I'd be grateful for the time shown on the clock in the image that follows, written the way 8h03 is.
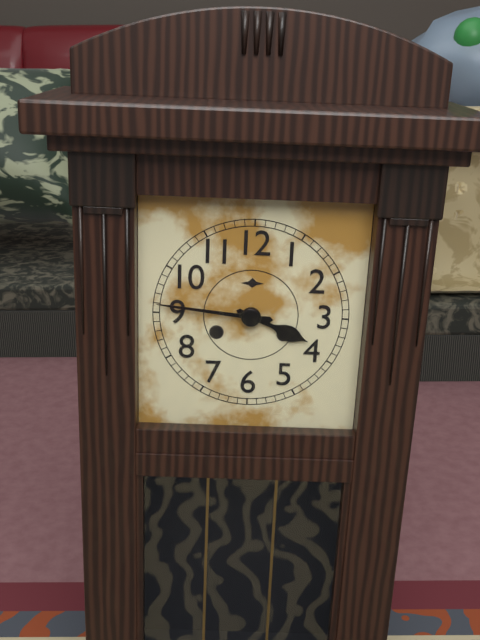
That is 3h46
